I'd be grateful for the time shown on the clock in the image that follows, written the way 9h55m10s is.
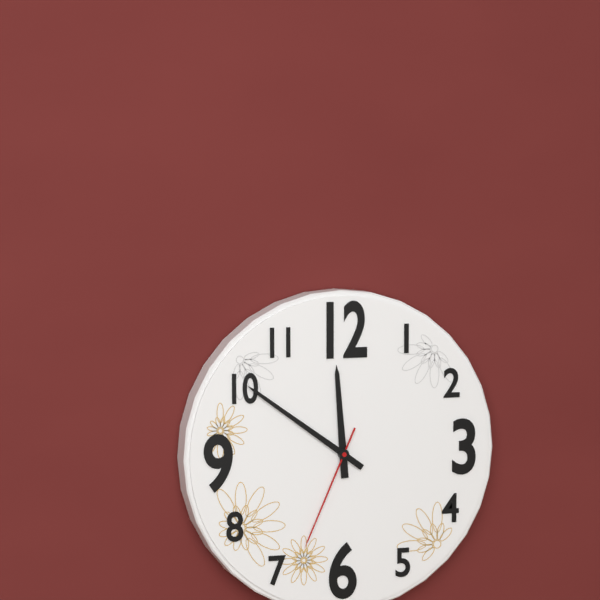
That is 11h51m34s
